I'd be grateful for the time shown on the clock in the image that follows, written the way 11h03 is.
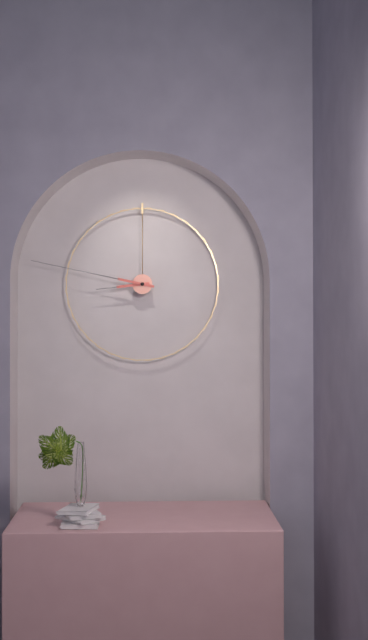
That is 8h47
